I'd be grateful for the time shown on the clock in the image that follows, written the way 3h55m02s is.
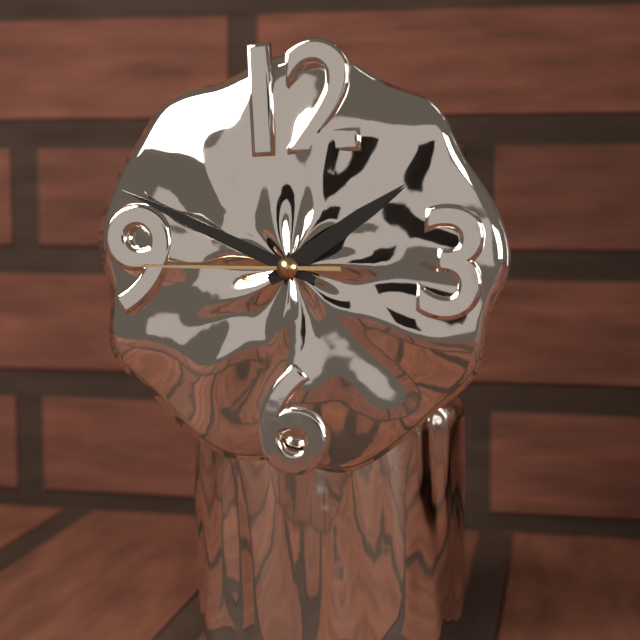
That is 1h49m45s
